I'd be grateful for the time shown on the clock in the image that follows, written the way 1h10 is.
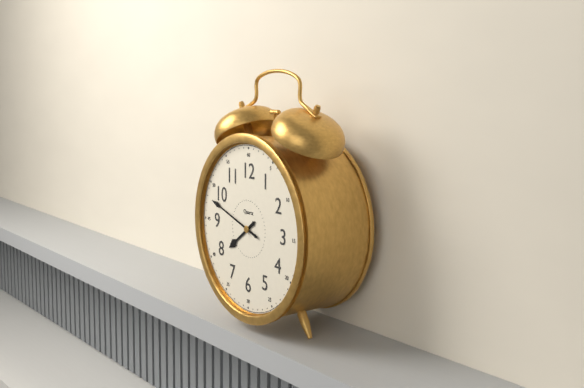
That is 7h48
